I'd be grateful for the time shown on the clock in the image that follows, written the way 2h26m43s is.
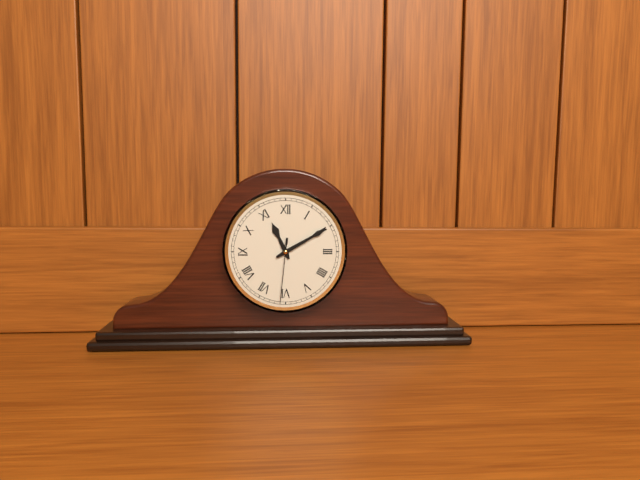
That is 11h10m31s
